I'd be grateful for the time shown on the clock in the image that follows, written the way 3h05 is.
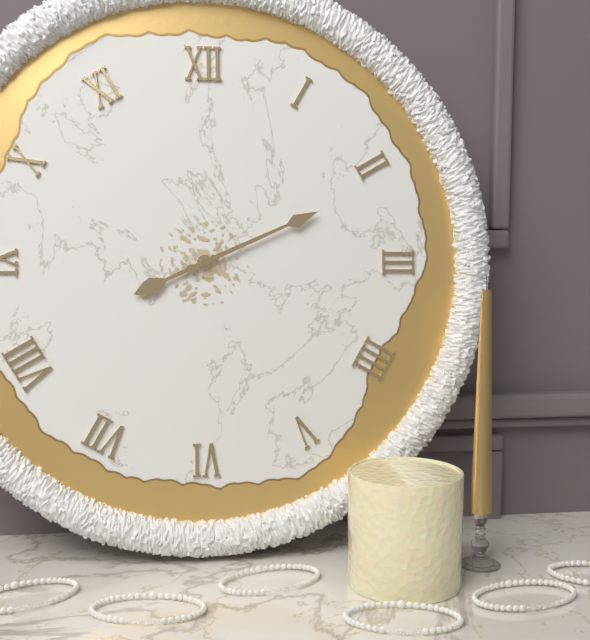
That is 8h11
